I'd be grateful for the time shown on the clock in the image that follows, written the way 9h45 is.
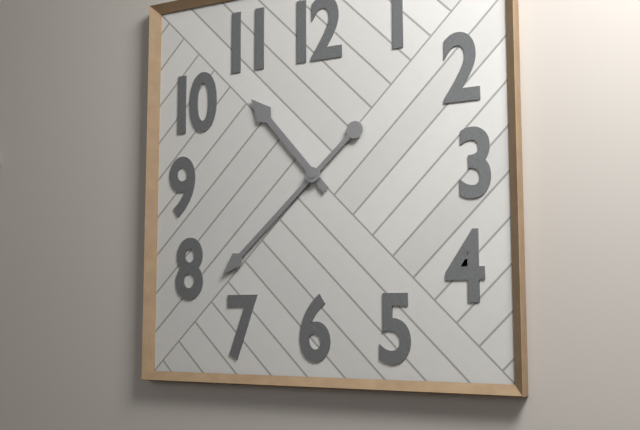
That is 10h38
